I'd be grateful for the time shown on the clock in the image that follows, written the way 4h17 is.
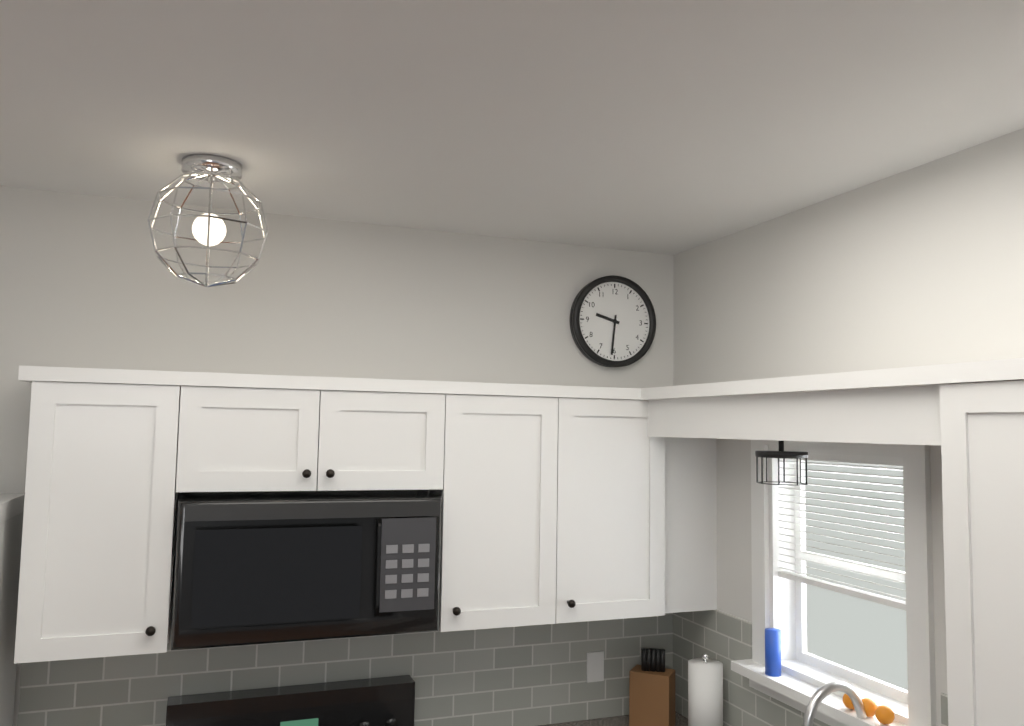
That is 9h31
